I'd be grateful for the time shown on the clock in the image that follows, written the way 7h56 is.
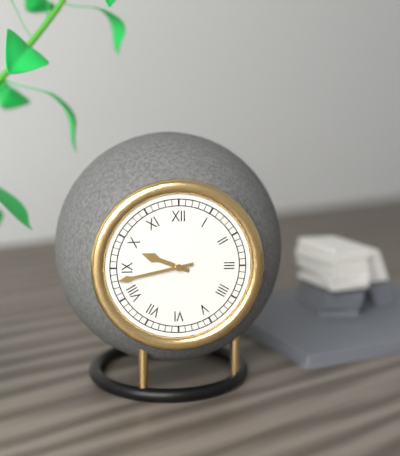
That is 9h43
